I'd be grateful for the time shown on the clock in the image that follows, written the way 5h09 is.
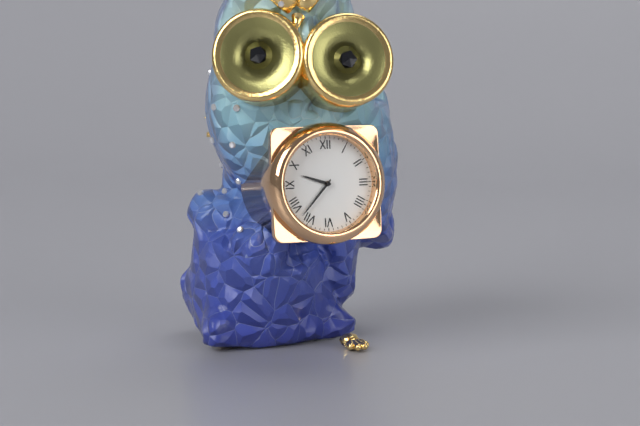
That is 9h37
